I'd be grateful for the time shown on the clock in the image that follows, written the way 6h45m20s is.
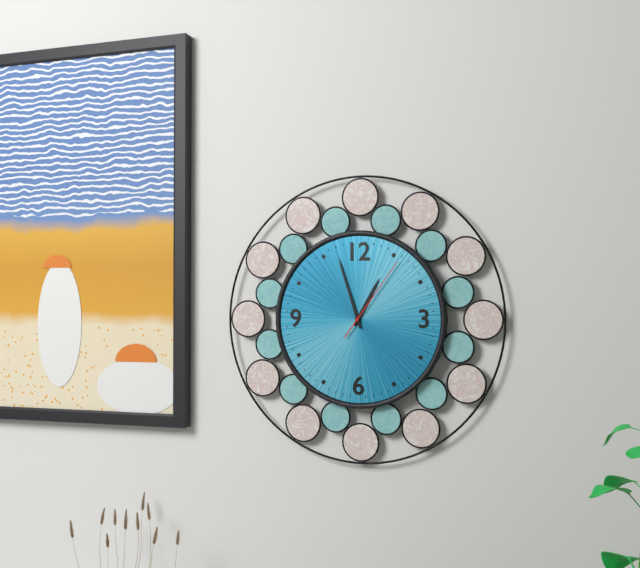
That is 12h57m06s
